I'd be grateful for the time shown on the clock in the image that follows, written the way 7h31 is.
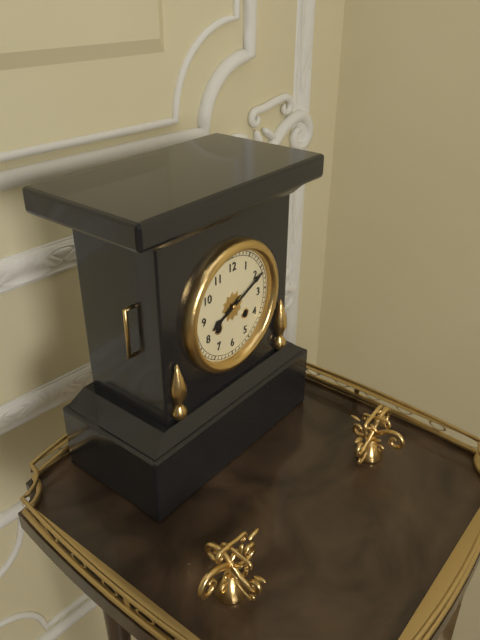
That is 8h11
